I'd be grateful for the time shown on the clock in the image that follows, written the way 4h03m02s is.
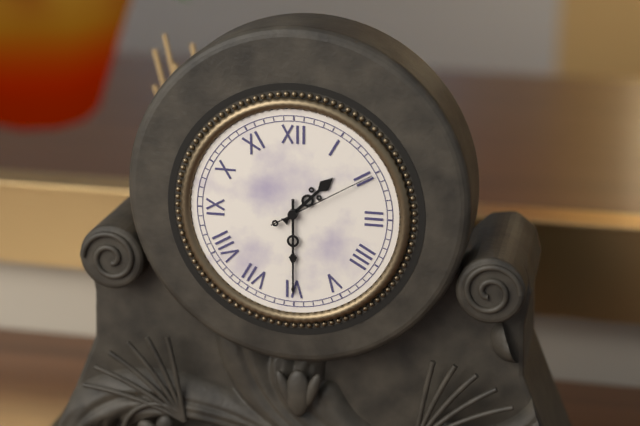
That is 1h30m10s
